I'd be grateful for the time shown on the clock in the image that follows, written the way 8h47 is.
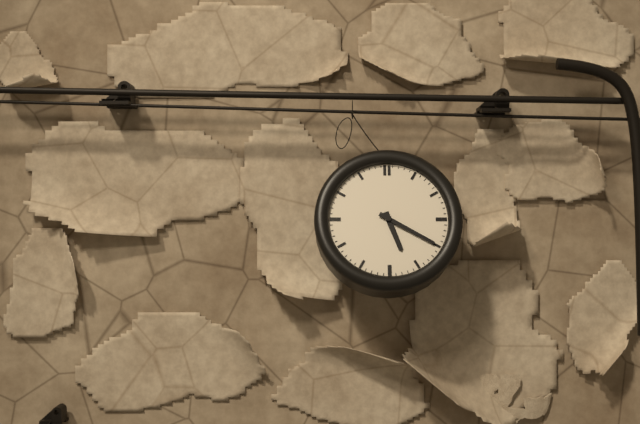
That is 5h20
